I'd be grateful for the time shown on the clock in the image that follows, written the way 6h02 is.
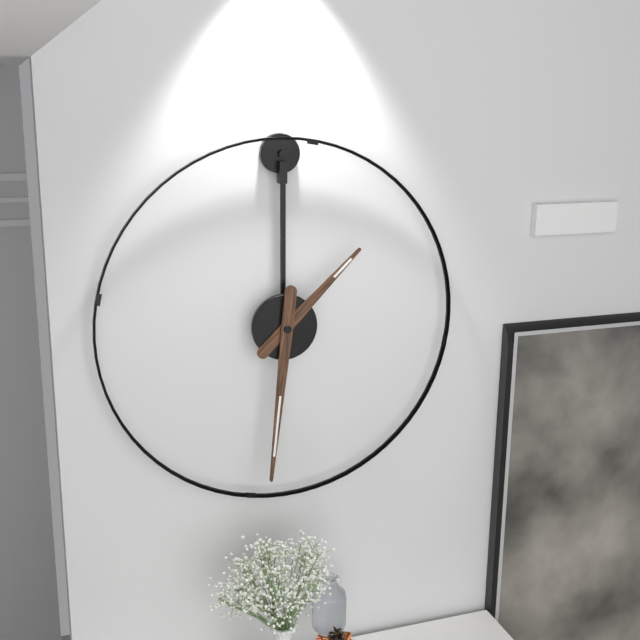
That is 1h31
